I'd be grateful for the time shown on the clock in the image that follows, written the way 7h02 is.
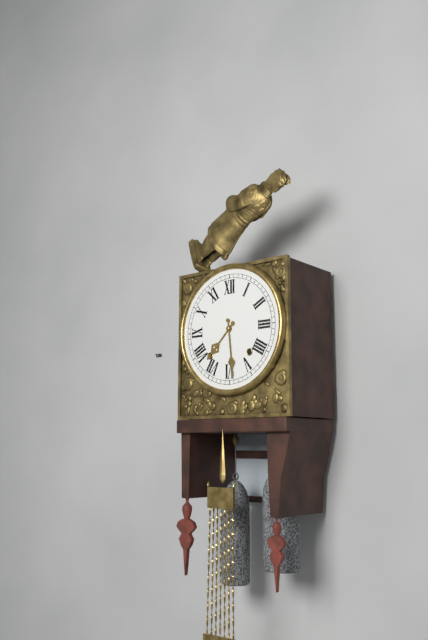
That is 7h29
